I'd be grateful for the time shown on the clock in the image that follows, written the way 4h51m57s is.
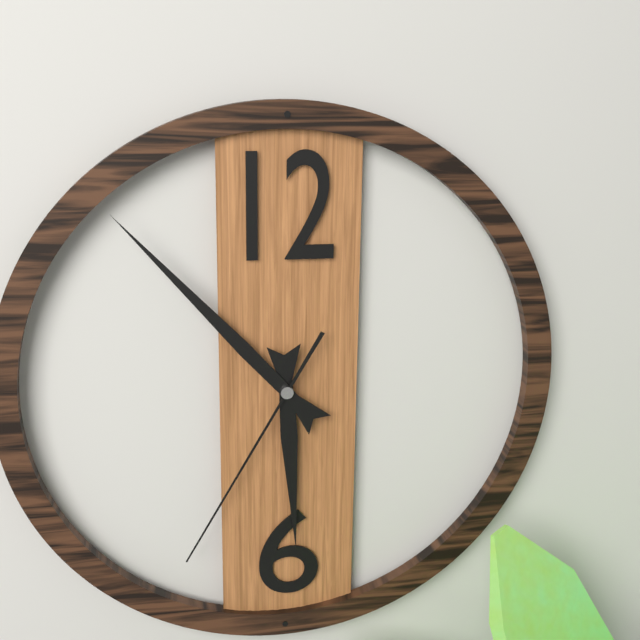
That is 5h53m35s
